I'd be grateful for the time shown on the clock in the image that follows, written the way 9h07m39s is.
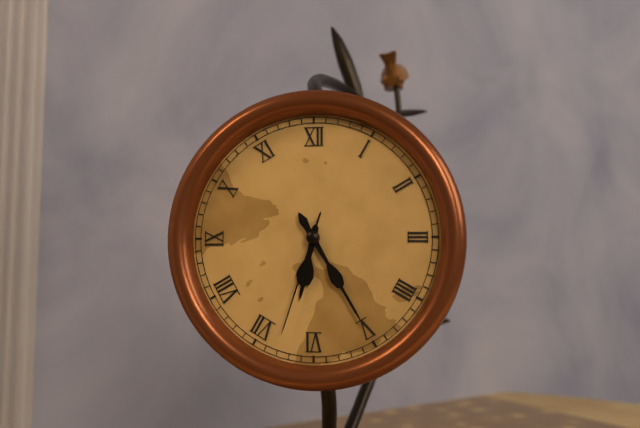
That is 6h25m33s
